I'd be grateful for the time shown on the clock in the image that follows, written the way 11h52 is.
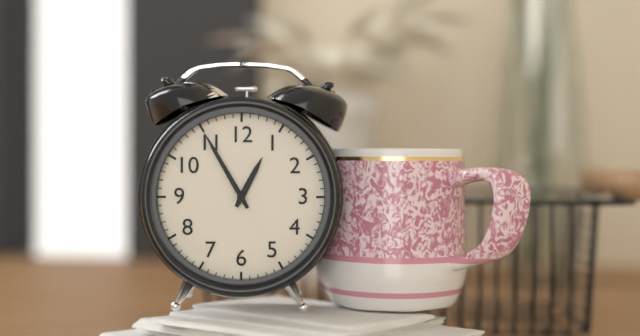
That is 12h55
